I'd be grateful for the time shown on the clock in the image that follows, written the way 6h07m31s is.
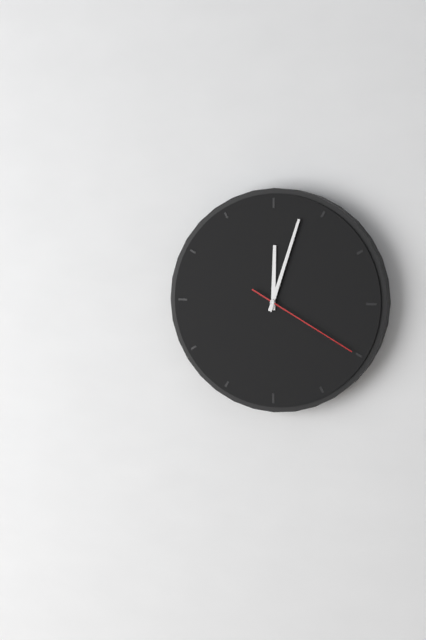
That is 12h03m20s
